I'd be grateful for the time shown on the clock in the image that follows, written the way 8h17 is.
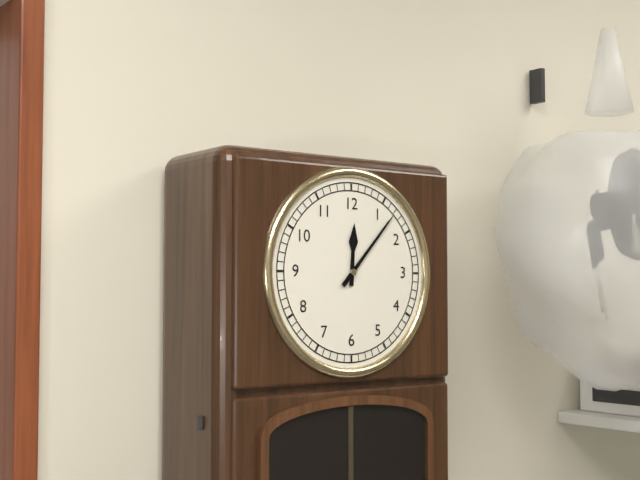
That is 12h07
